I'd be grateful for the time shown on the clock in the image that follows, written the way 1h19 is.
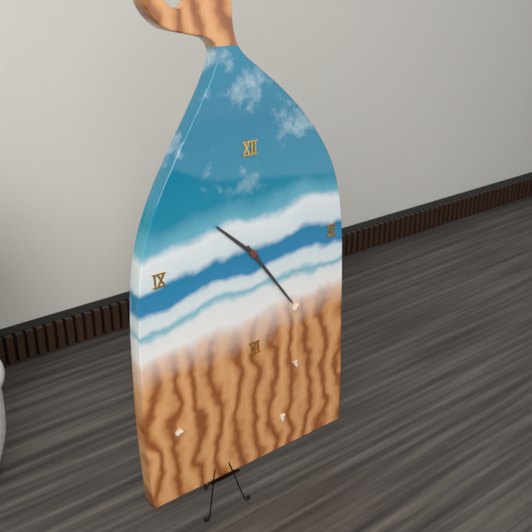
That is 10h24
